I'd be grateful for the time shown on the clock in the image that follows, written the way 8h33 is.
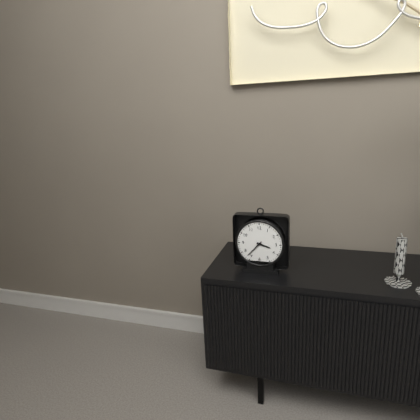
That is 3h37
